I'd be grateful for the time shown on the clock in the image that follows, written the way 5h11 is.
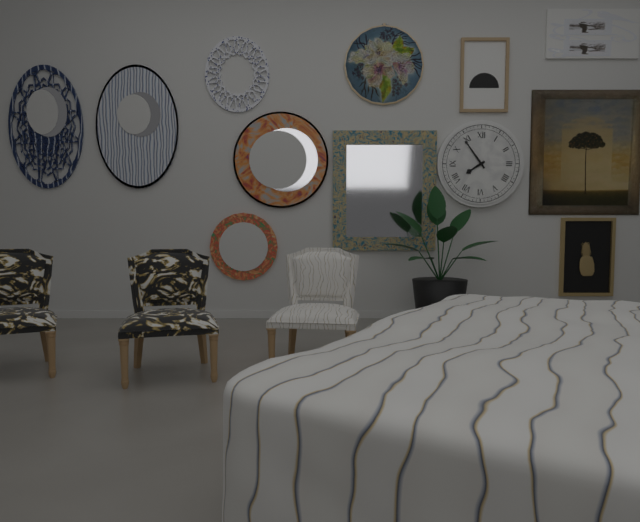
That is 7h54
